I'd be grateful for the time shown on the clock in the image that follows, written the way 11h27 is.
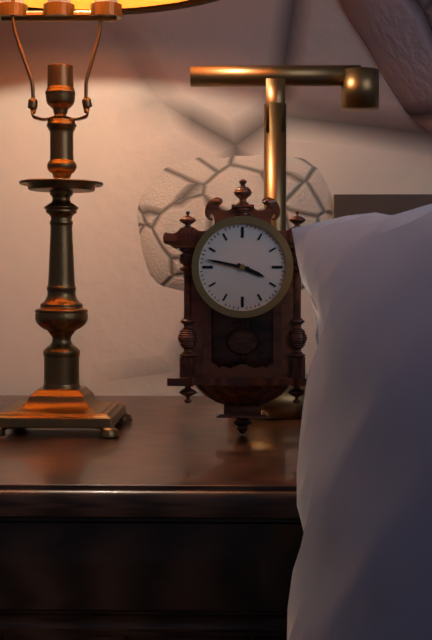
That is 3h47
